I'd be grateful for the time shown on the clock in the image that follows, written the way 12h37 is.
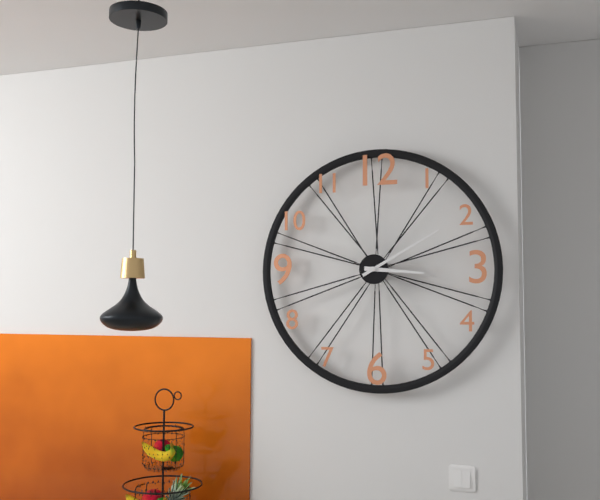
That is 3h10
